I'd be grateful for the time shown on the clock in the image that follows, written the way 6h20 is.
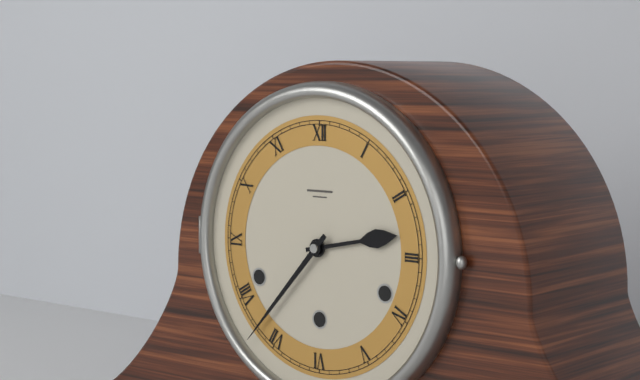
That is 2h37
